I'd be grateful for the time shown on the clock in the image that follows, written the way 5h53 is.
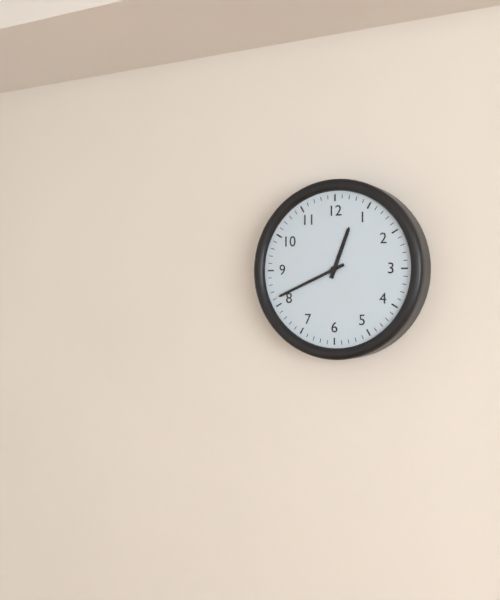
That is 12h41
